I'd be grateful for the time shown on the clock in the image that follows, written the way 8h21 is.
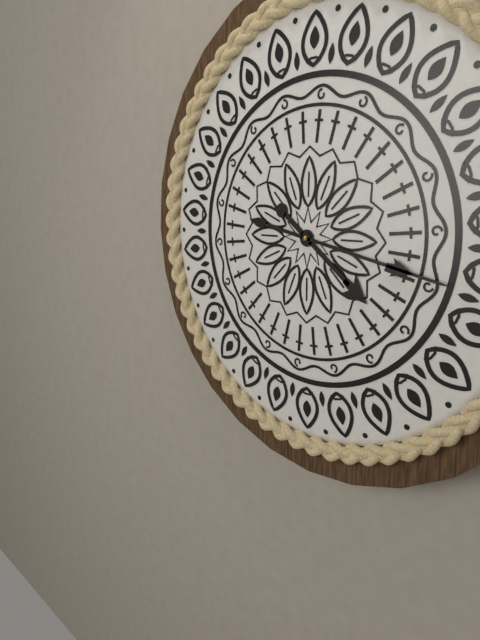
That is 4h17
